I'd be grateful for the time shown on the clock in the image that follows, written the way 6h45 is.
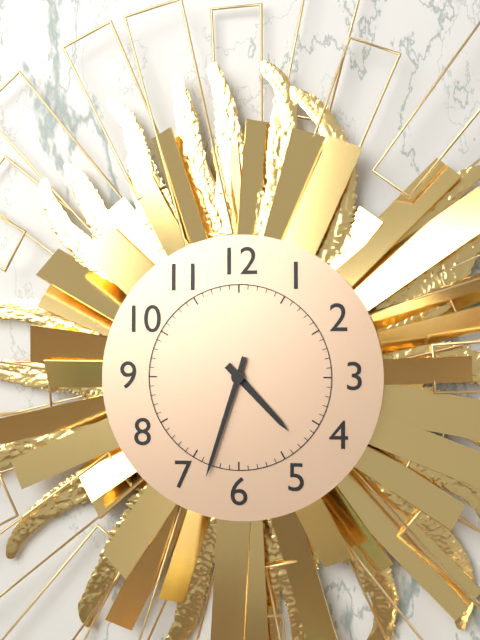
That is 4h33
